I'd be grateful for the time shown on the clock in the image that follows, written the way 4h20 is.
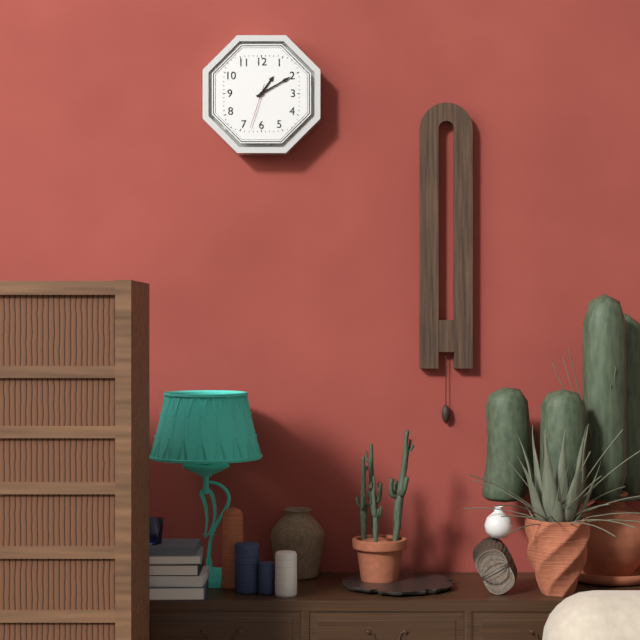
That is 1h10
